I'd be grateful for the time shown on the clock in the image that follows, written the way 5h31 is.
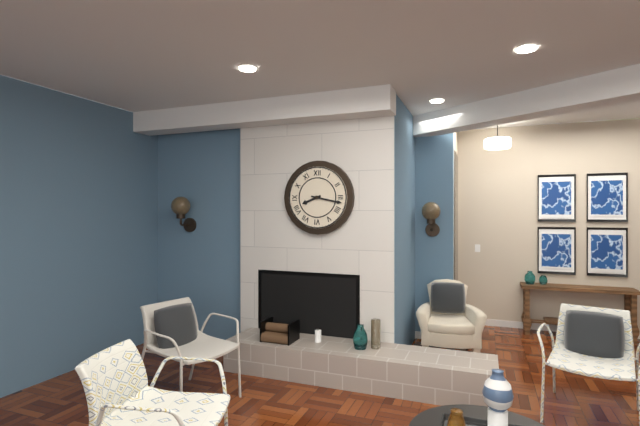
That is 8h17
